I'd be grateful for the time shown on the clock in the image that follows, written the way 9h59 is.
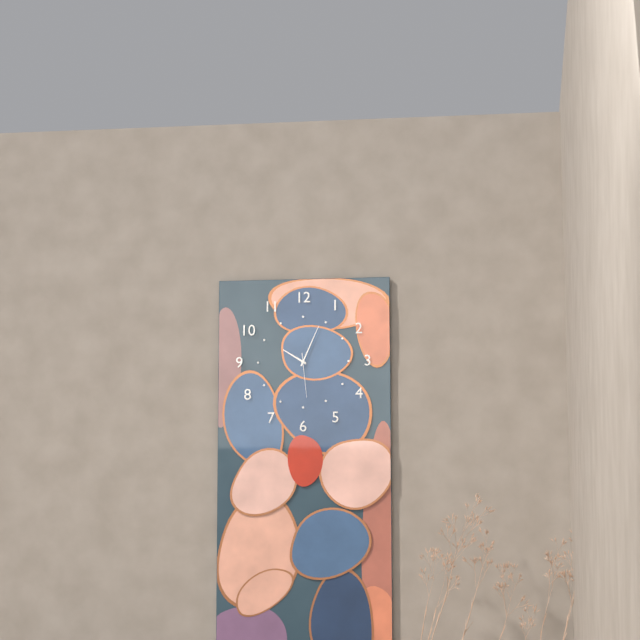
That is 10h04
